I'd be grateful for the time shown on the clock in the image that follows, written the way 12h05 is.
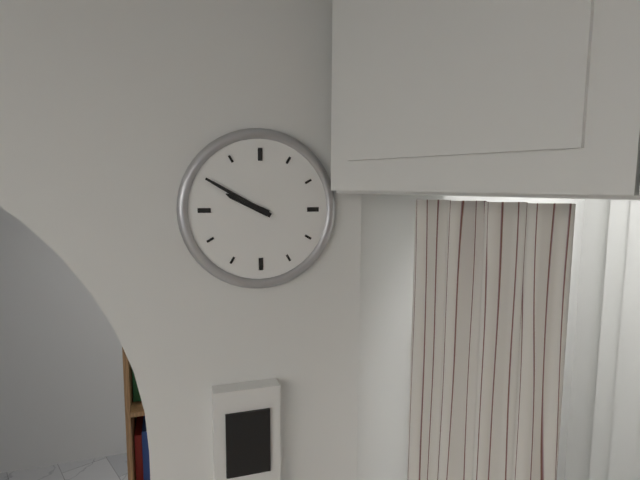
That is 9h50
